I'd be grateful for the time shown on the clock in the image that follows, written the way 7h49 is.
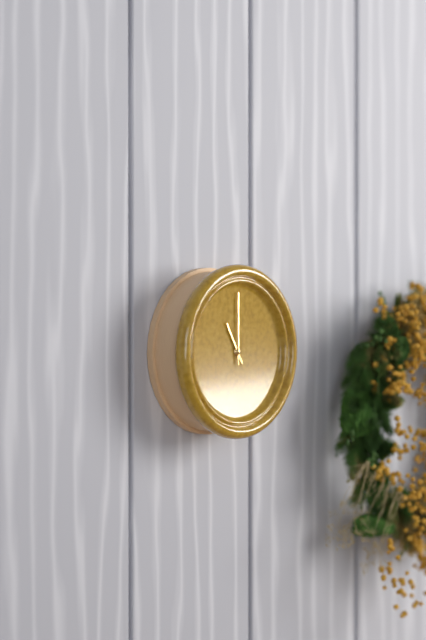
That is 11h00
